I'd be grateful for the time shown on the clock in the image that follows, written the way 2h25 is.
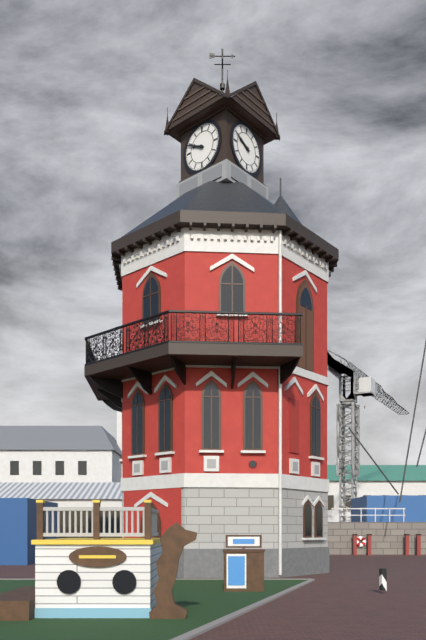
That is 9h49
